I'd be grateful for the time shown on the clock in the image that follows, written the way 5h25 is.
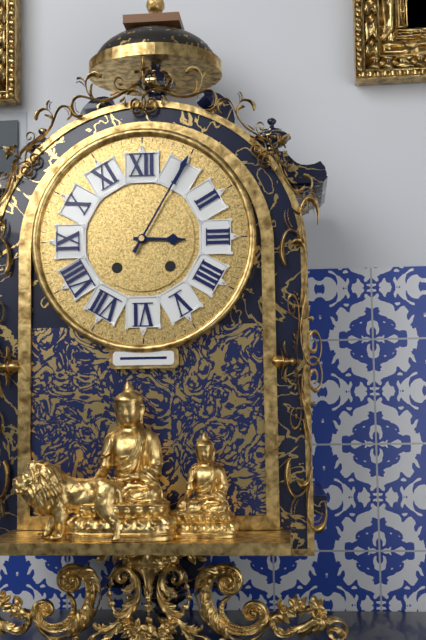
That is 3h05
